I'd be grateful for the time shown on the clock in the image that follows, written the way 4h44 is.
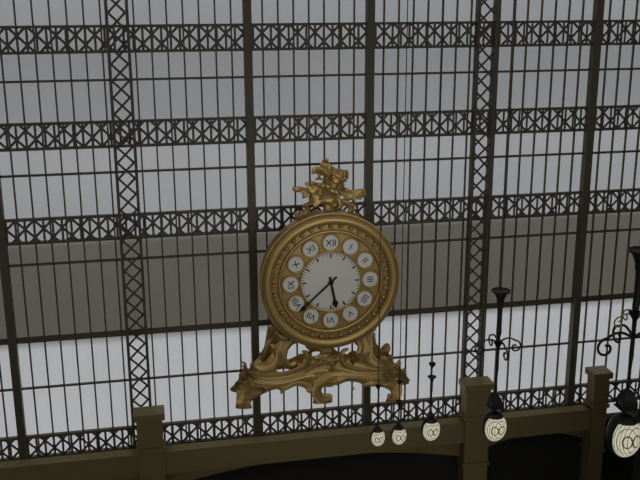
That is 5h38
